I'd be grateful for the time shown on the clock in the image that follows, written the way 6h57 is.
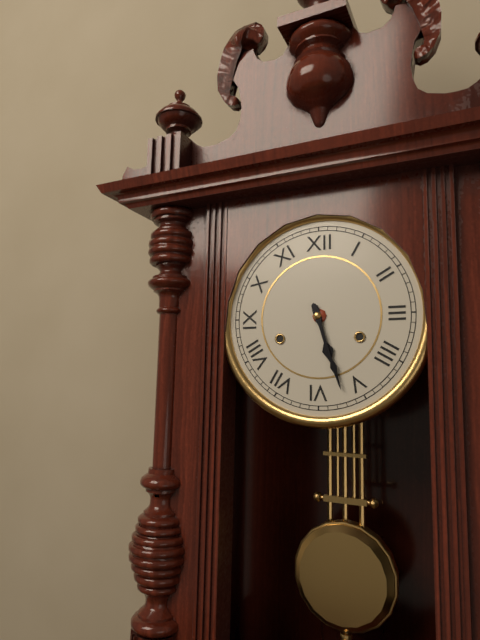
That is 5h27
